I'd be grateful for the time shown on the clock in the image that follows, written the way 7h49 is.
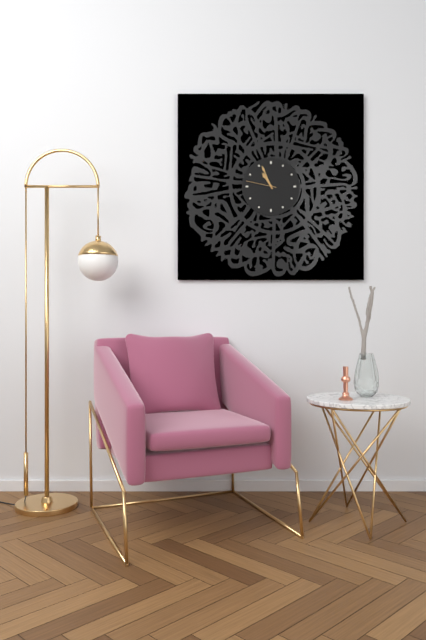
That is 10h56
